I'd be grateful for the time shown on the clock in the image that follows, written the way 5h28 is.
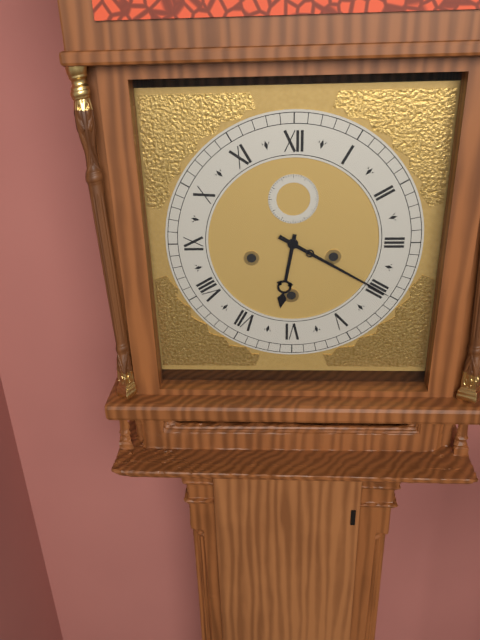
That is 6h20
